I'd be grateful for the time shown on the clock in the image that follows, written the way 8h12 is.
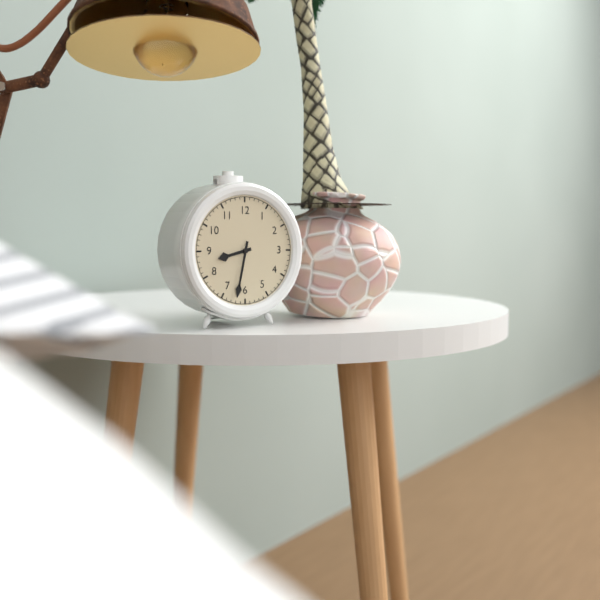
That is 8h32
